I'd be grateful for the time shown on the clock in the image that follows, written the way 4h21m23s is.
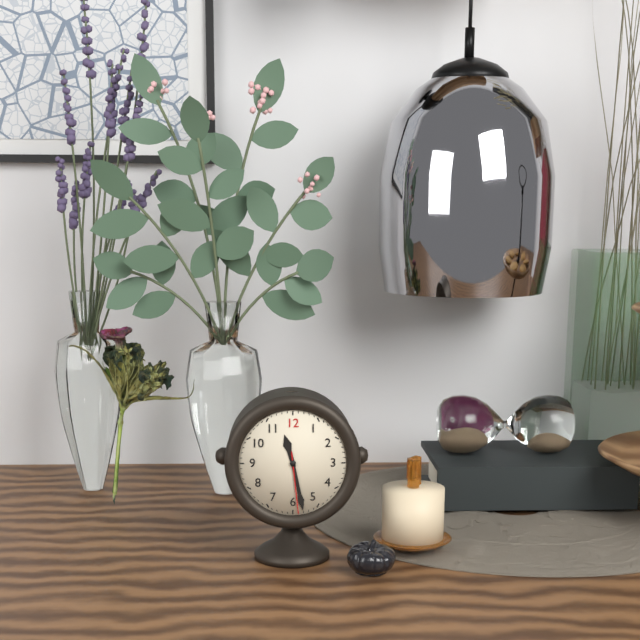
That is 11h28m29s
